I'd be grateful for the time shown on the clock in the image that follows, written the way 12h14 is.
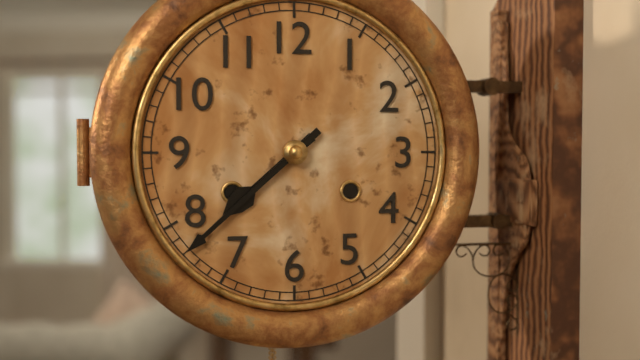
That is 7h38
